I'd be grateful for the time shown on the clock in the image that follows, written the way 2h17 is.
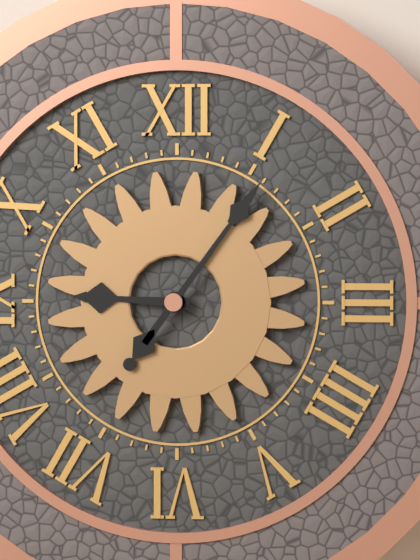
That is 9h06
